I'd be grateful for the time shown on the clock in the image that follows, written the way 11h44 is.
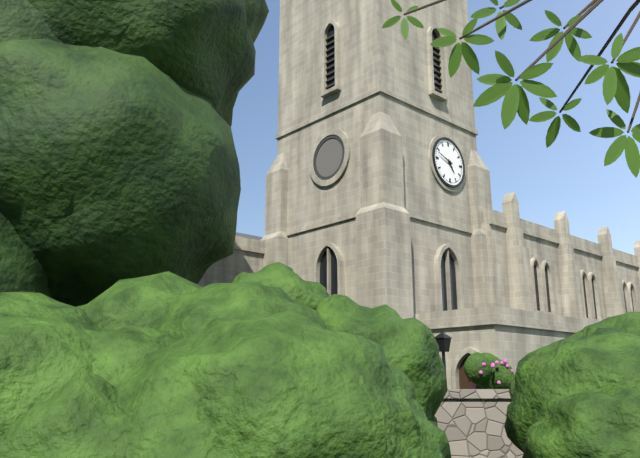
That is 4h48
